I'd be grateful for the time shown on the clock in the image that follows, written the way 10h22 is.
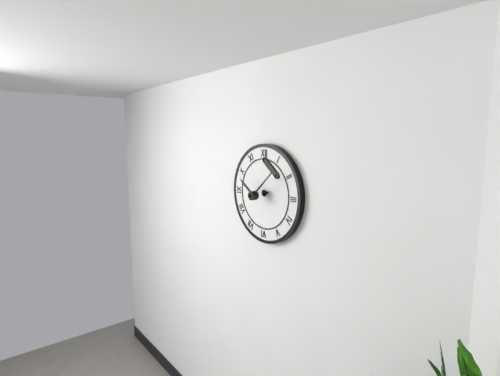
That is 10h08
